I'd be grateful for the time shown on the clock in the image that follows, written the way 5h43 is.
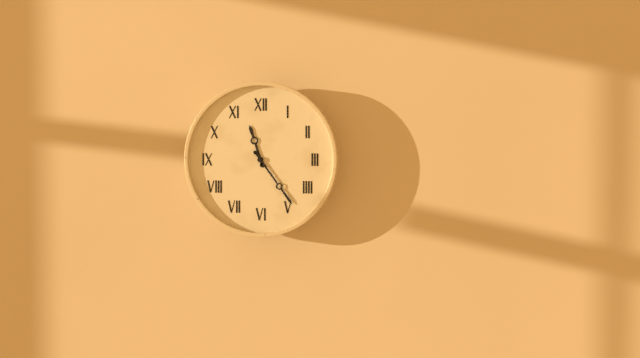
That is 11h24
